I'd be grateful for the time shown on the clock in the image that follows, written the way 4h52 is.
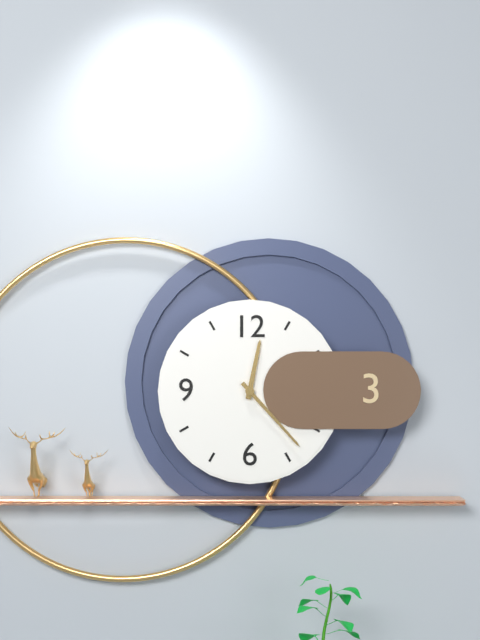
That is 12h23
